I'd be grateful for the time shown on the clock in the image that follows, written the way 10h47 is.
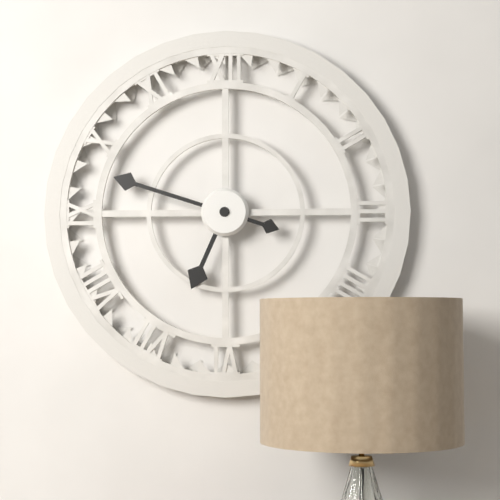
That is 6h48
